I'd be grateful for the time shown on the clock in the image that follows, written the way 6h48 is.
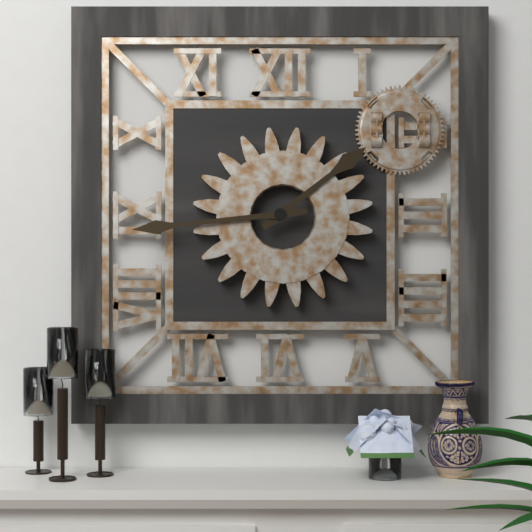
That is 1h44
